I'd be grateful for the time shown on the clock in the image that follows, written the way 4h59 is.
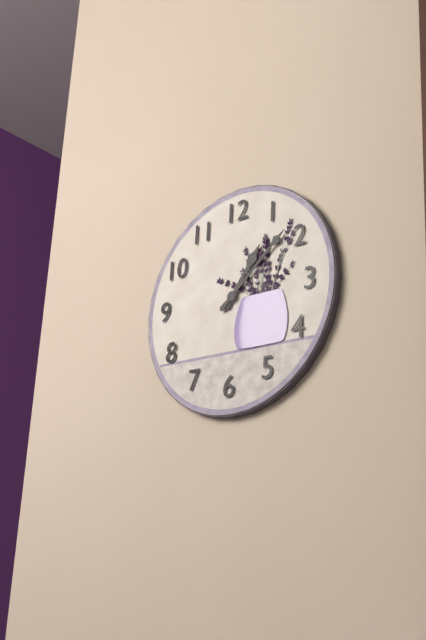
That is 1h08
